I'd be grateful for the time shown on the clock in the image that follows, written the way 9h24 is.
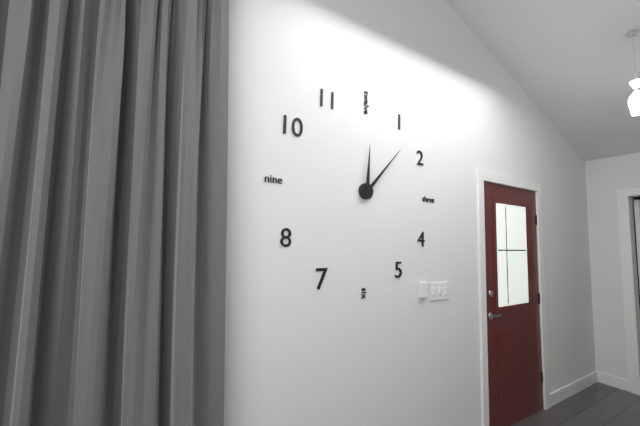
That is 12h07
